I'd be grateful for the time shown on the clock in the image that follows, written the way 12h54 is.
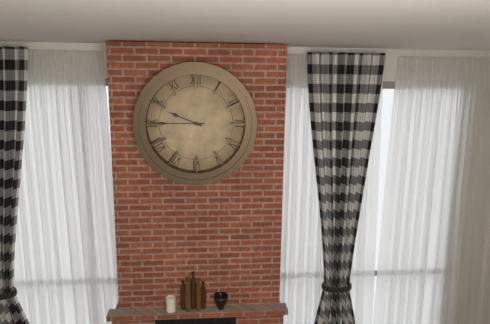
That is 9h45
